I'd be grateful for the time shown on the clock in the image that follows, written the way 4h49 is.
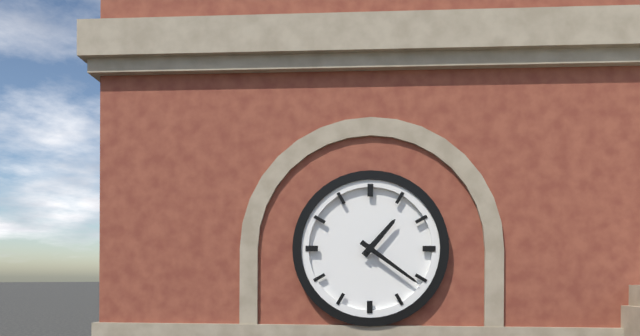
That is 1h21
